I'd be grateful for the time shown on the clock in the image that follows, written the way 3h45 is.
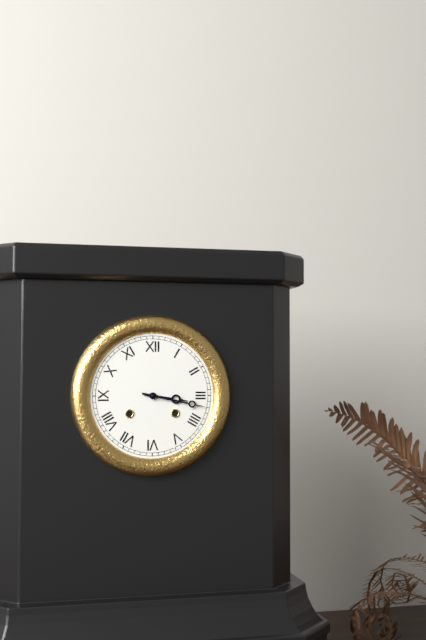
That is 3h17
